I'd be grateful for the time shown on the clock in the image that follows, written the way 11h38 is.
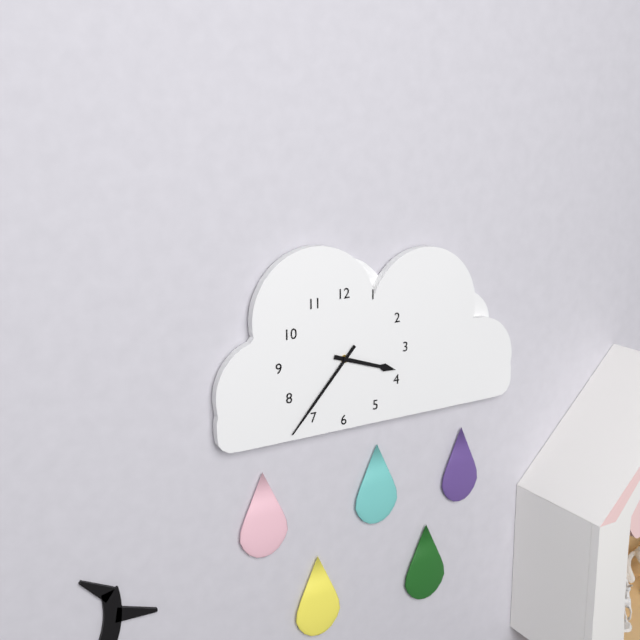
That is 3h37
